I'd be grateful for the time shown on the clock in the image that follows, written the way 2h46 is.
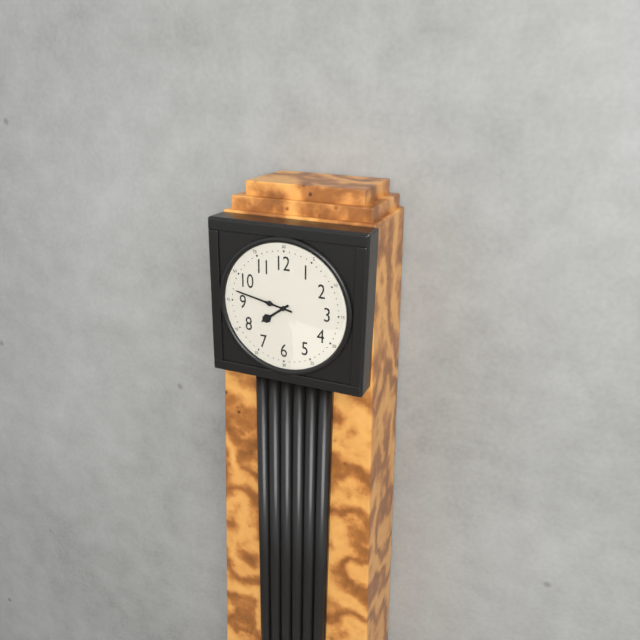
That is 7h47
